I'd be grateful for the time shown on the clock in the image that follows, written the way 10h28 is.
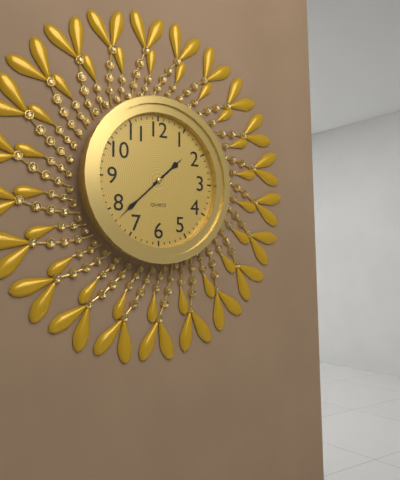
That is 1h38
